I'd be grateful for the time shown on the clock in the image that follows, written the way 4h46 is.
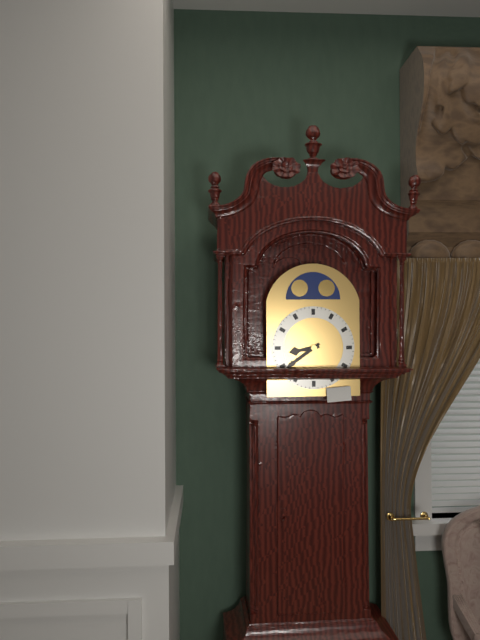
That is 8h39
